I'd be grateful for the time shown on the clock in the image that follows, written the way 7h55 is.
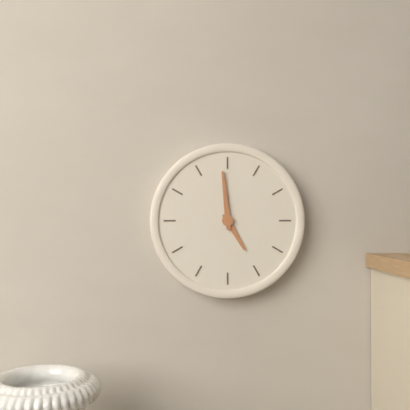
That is 4h59
